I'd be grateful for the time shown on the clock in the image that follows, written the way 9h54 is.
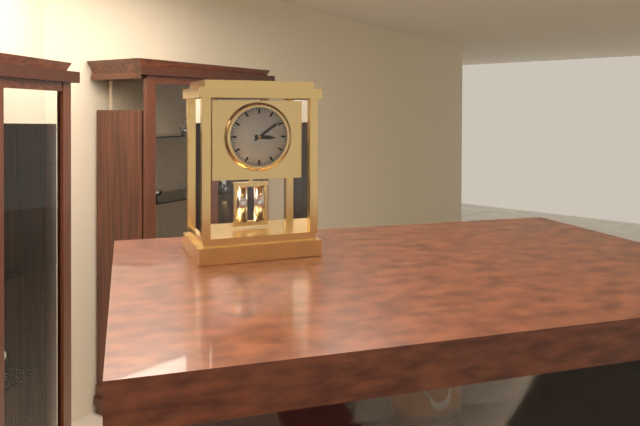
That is 3h09
